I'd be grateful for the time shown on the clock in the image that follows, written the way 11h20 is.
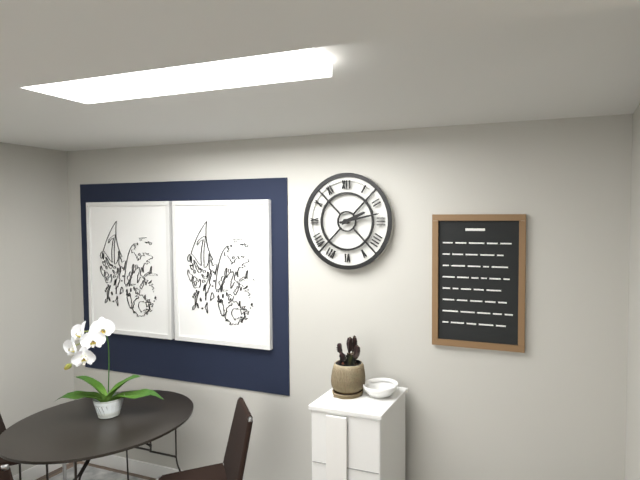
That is 2h13
